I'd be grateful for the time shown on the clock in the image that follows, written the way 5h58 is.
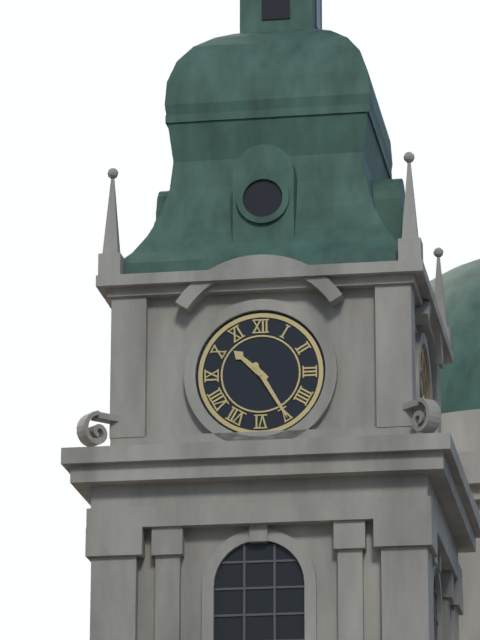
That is 10h25
